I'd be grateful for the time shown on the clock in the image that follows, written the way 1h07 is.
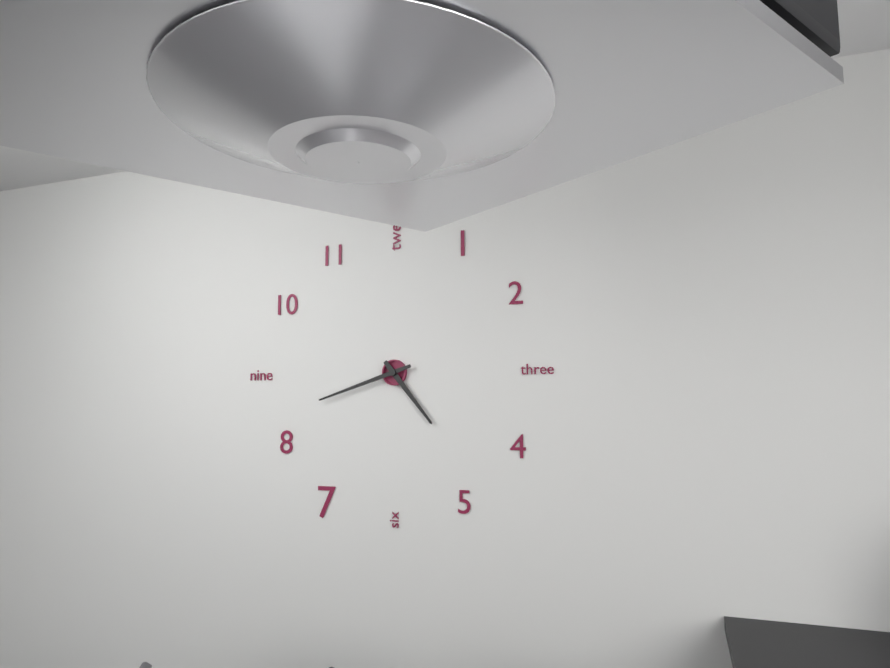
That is 4h42
